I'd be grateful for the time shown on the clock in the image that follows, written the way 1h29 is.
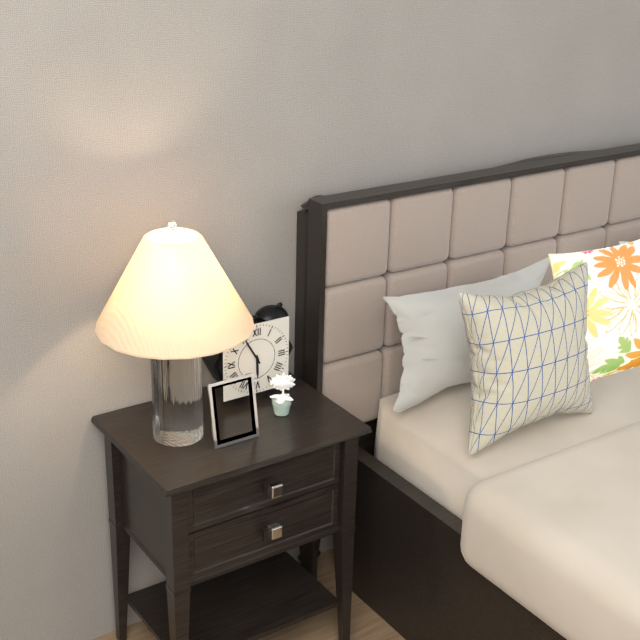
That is 5h55
